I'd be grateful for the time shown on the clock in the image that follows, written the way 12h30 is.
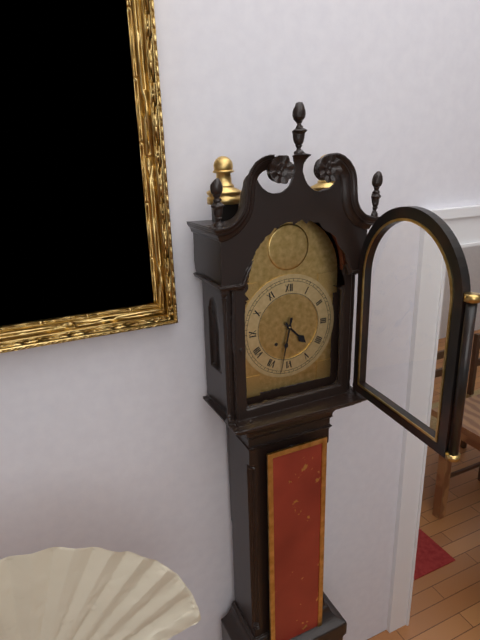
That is 4h32
